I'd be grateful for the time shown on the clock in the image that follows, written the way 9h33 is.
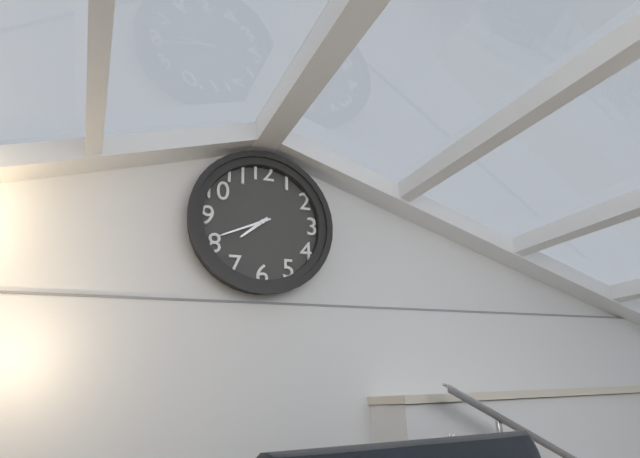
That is 7h41
